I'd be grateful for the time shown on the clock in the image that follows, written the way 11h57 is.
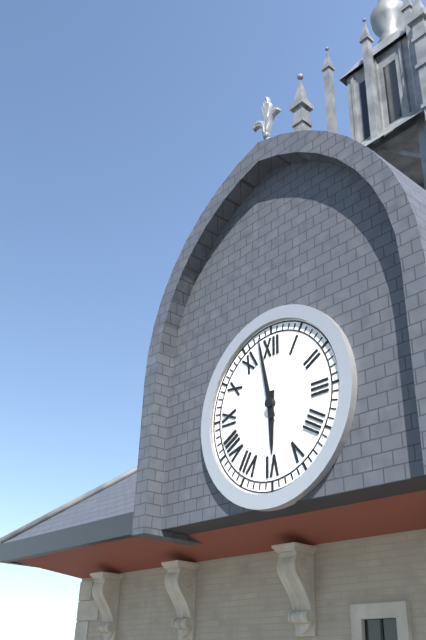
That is 5h58
